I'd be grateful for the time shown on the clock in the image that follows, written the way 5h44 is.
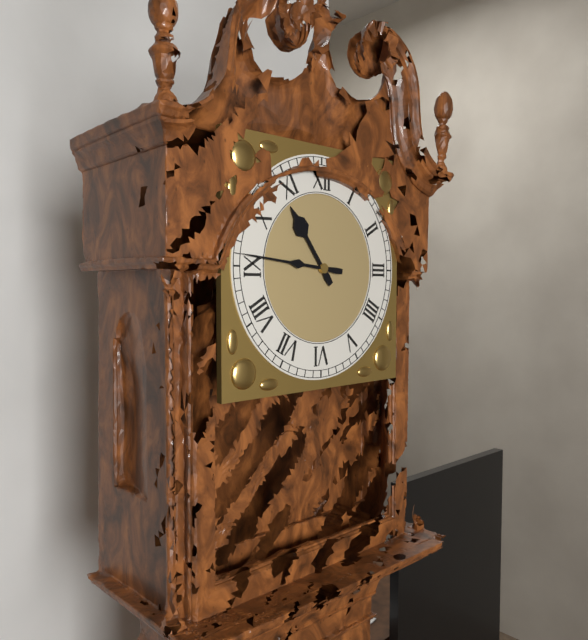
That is 10h46
